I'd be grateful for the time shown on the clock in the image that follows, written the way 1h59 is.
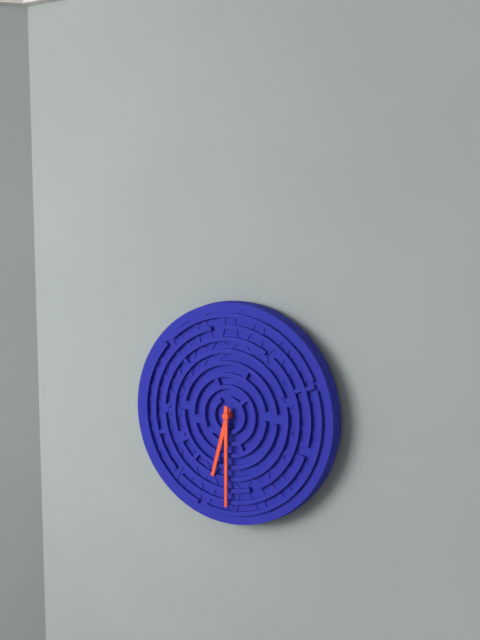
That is 6h30
